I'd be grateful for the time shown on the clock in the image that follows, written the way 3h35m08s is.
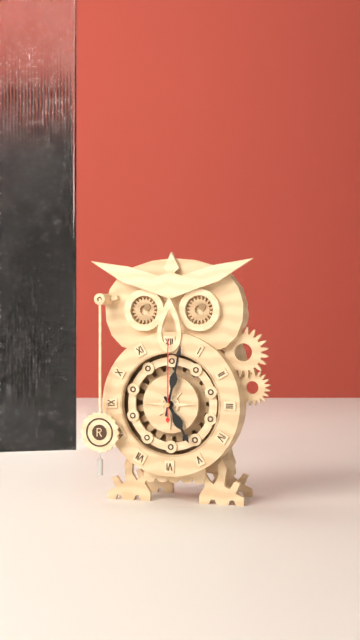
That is 5h02m00s
